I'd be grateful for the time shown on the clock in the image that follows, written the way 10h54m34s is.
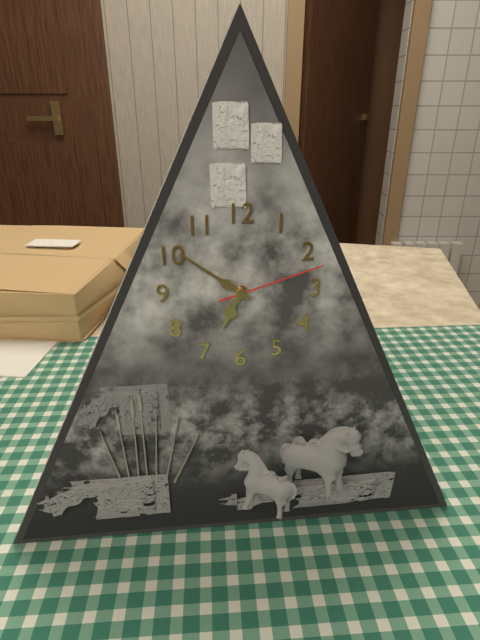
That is 6h51m12s
